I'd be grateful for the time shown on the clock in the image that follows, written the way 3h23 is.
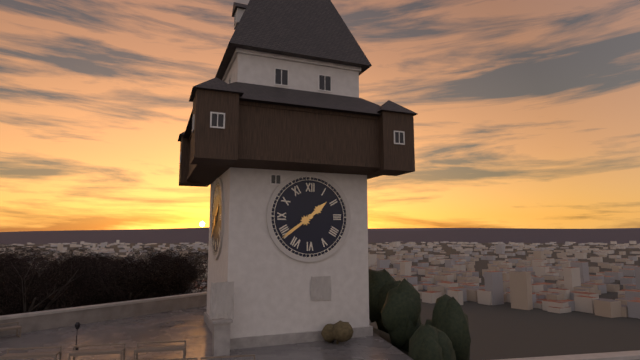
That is 1h39
